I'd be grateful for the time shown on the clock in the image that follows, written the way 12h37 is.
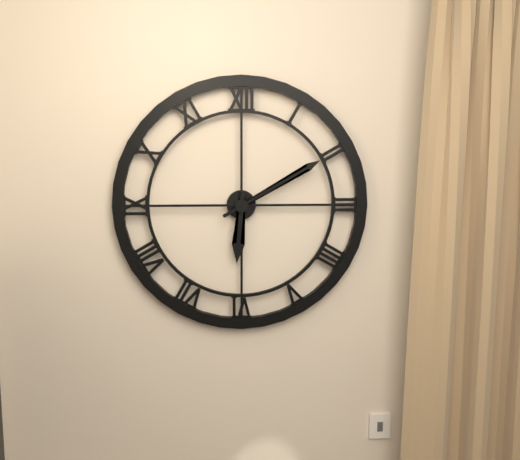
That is 6h10
